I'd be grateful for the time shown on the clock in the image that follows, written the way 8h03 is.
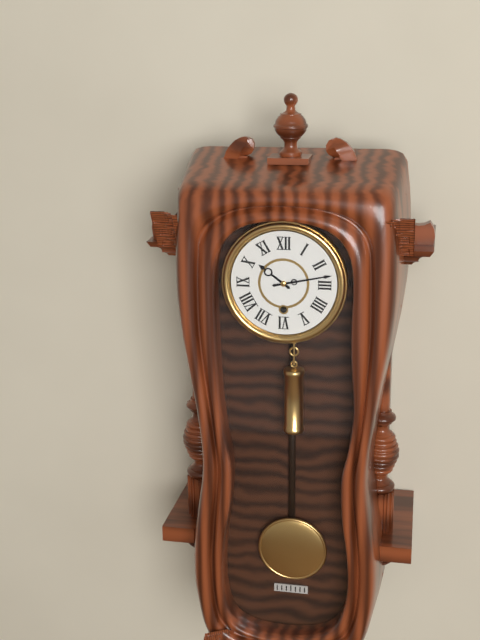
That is 10h13
